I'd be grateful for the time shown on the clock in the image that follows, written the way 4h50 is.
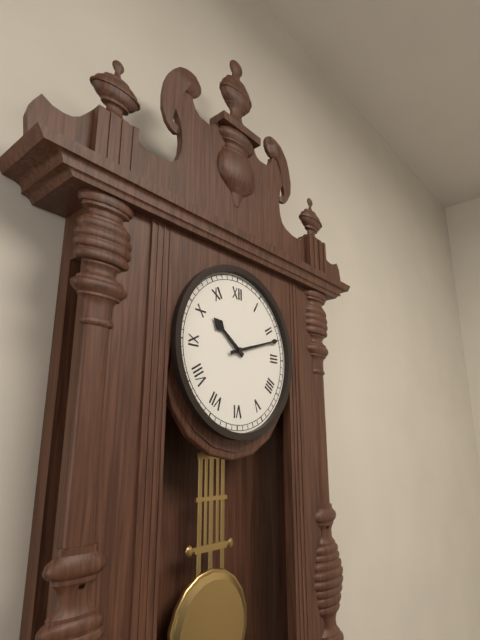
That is 10h12
